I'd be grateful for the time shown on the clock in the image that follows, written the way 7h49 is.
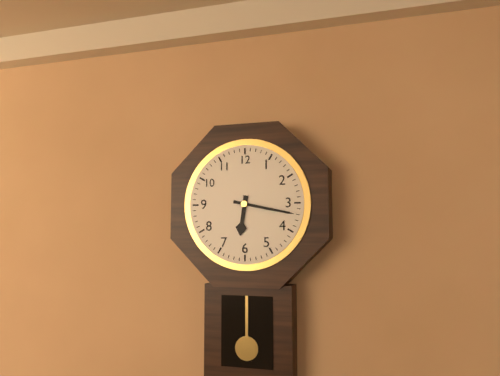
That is 6h17
